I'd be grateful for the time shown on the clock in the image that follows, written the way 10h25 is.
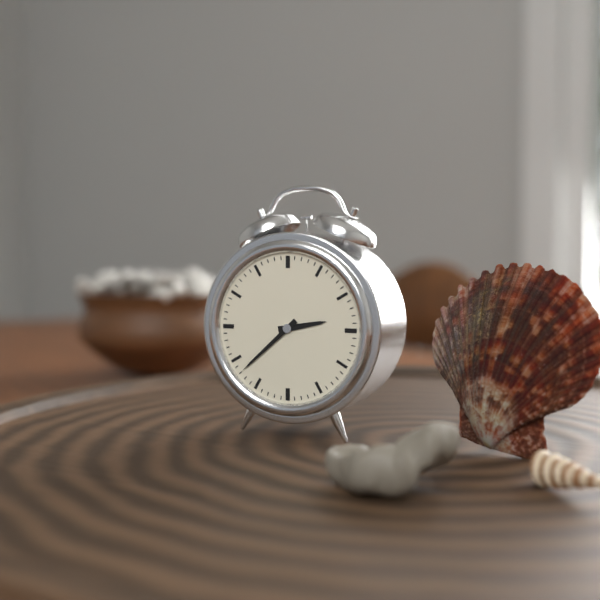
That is 2h38
